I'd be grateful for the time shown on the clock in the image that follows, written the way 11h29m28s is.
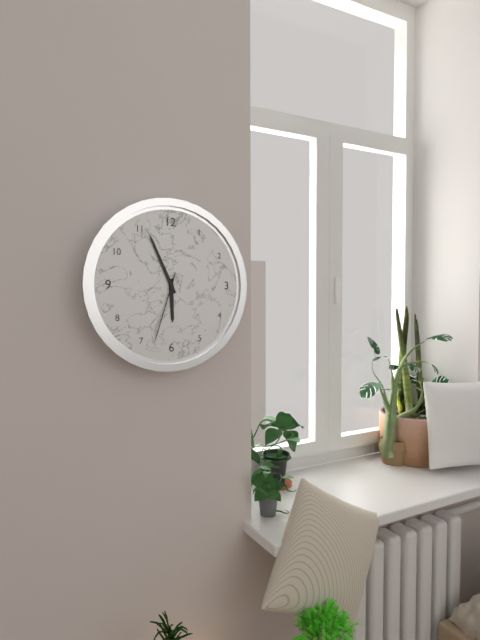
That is 5h56m33s
